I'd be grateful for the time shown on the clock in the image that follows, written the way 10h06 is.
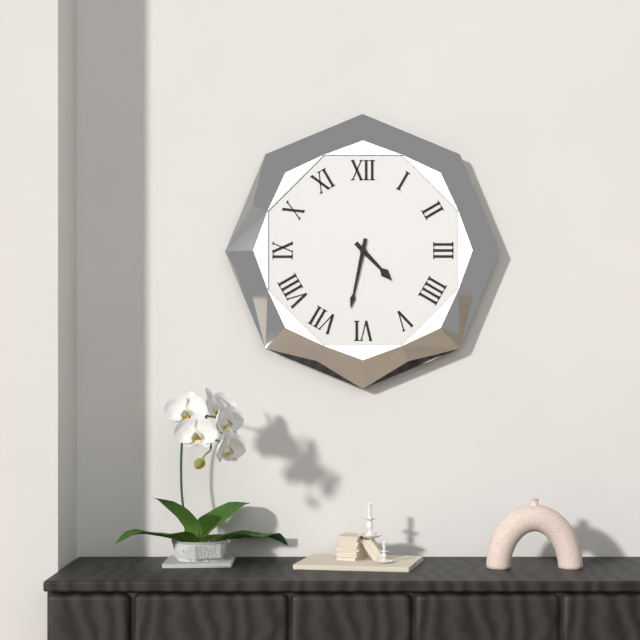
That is 4h32
